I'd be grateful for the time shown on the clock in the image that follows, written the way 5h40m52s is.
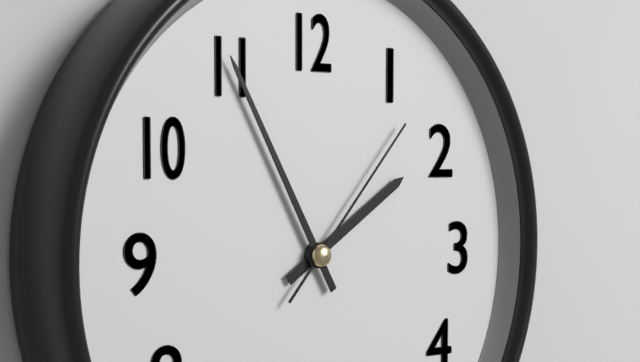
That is 1h55m07s
